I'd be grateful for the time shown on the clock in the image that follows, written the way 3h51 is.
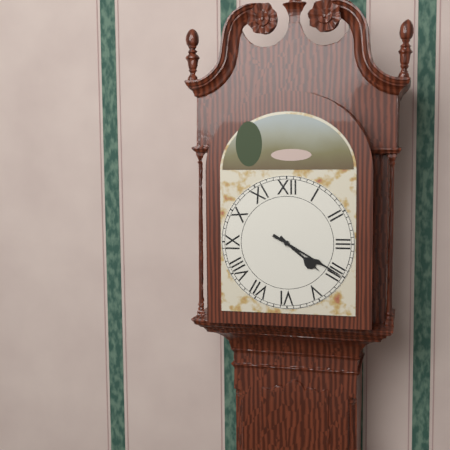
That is 4h20
